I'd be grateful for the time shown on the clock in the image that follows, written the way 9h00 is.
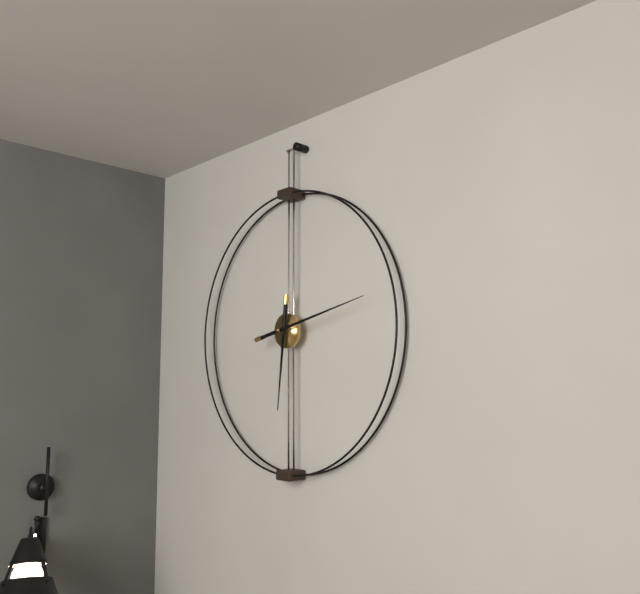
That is 6h13
